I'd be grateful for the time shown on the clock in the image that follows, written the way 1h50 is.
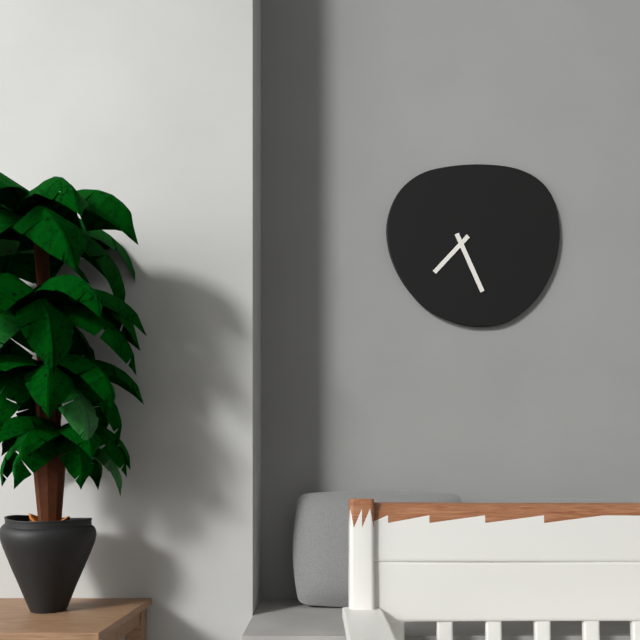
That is 7h26
